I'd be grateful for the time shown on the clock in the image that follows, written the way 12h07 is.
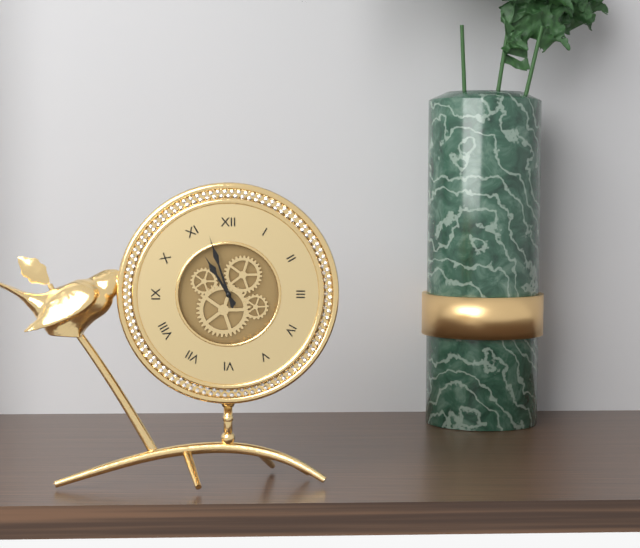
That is 10h57
